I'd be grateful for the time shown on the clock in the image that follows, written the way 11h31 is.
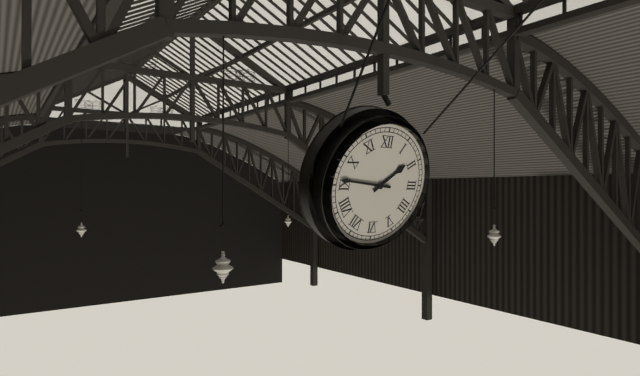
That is 1h46
